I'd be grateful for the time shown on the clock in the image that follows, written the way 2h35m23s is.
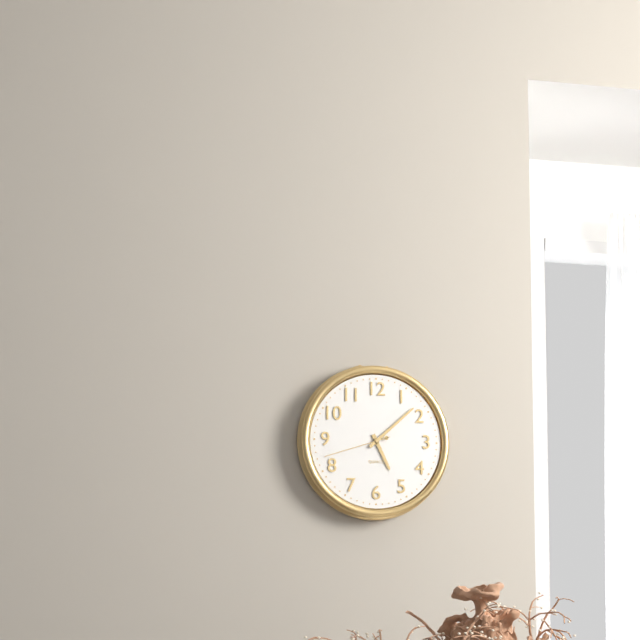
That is 5h08m42s
